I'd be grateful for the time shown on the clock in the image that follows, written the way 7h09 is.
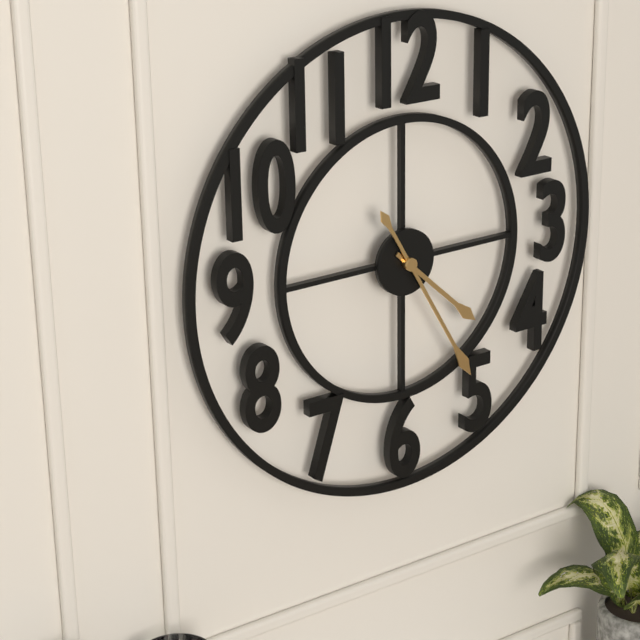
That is 4h25
